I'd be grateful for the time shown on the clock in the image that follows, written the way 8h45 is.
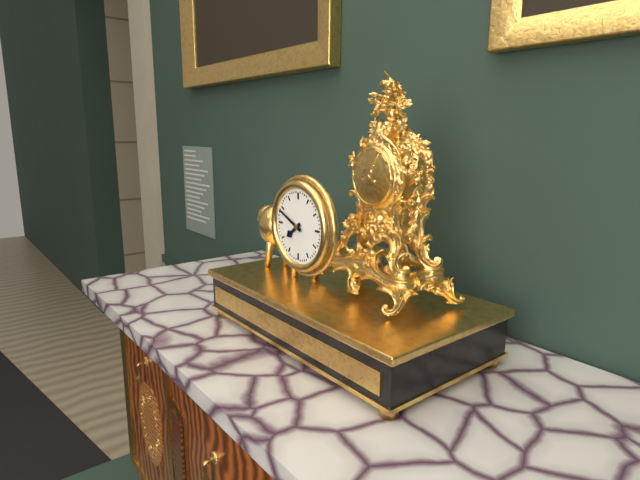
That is 7h49
